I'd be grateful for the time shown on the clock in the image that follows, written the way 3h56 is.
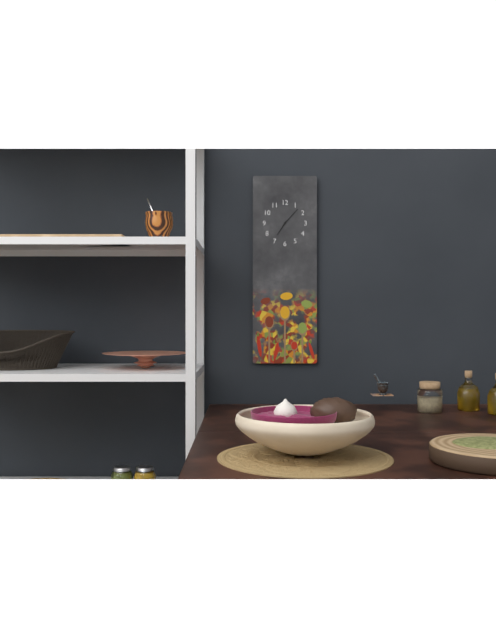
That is 7h07
